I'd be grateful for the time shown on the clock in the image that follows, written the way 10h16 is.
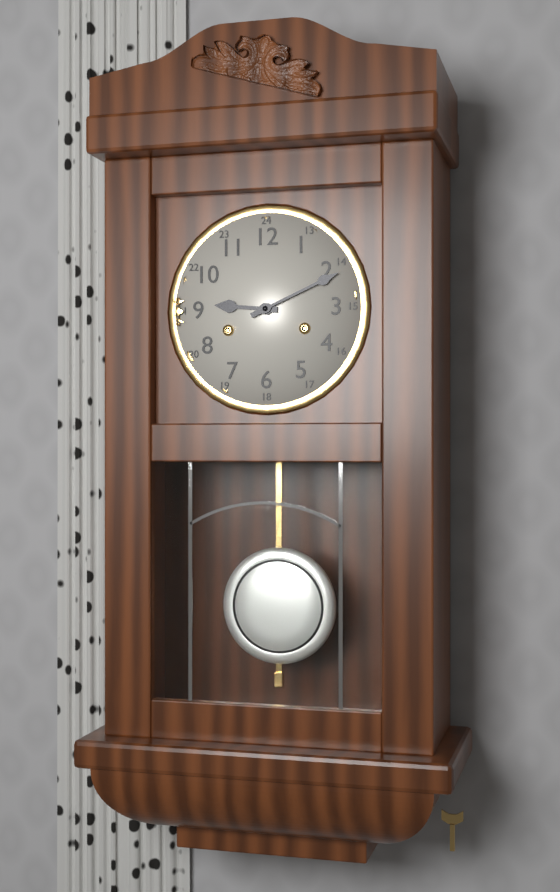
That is 9h11
